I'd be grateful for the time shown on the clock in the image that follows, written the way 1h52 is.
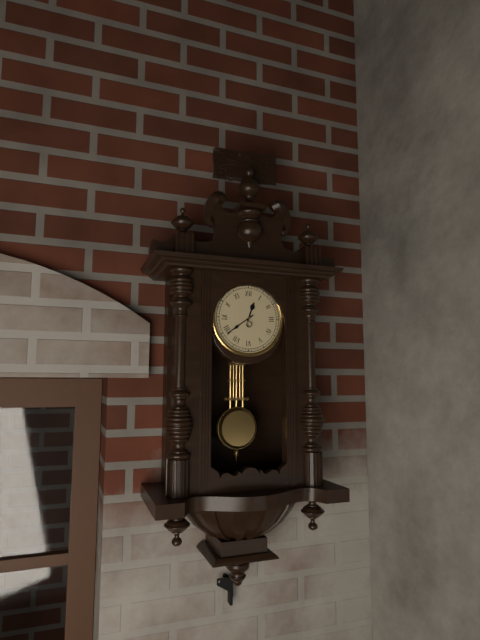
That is 12h39
